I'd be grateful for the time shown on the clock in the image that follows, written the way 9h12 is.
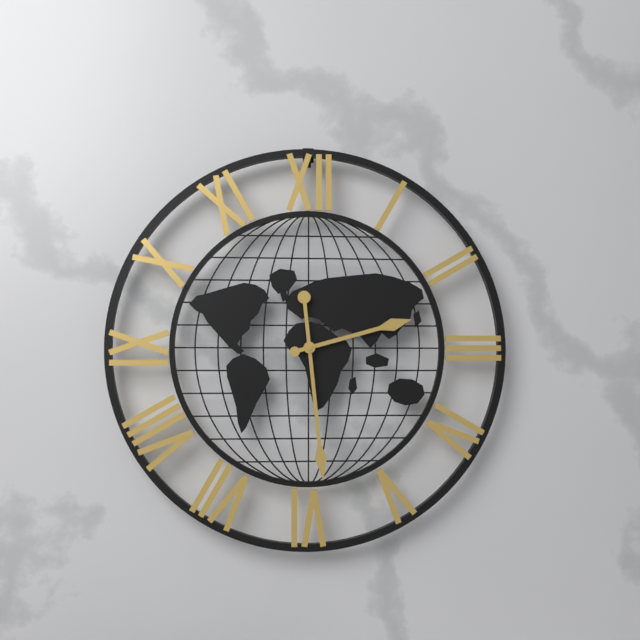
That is 2h29
